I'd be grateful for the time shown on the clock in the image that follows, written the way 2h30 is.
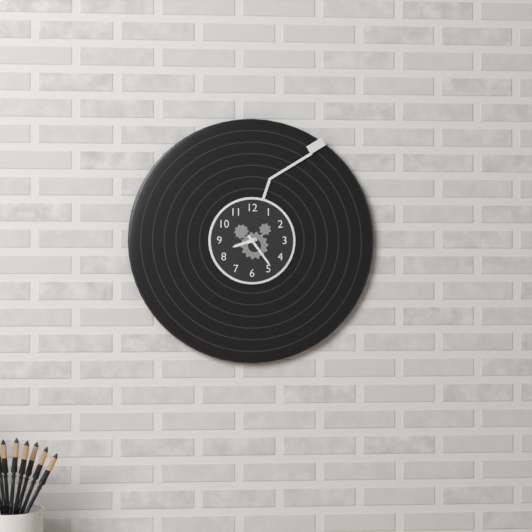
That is 8h24
